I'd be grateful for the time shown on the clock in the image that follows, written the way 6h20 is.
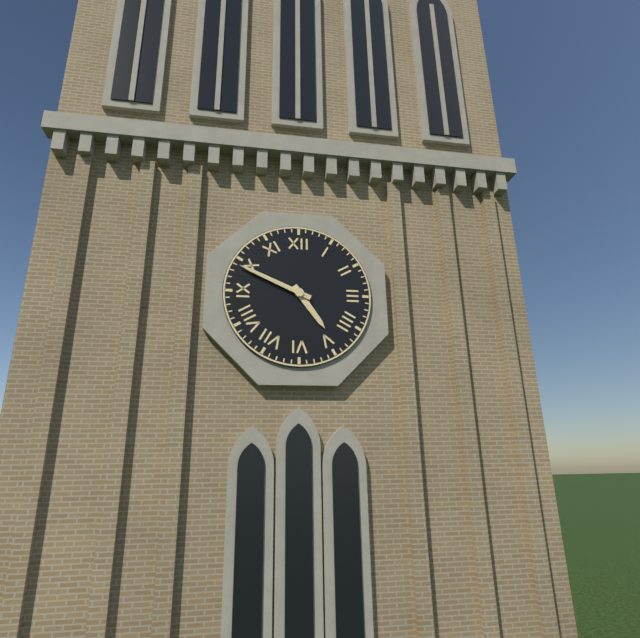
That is 4h49
